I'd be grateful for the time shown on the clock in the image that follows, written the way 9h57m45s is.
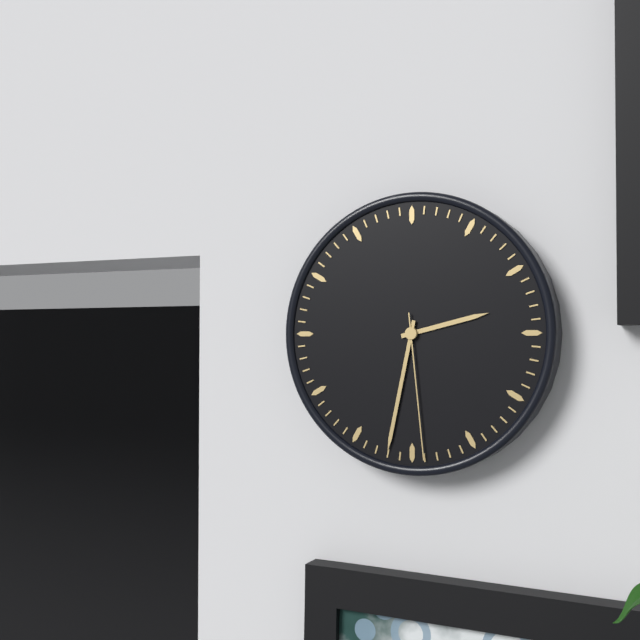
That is 2h32m29s
